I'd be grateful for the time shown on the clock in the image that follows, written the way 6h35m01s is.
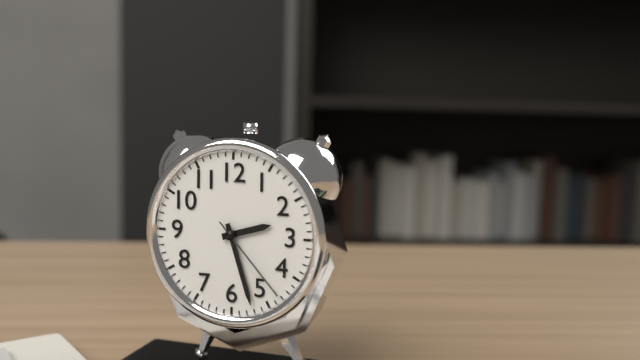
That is 2h27m23s
